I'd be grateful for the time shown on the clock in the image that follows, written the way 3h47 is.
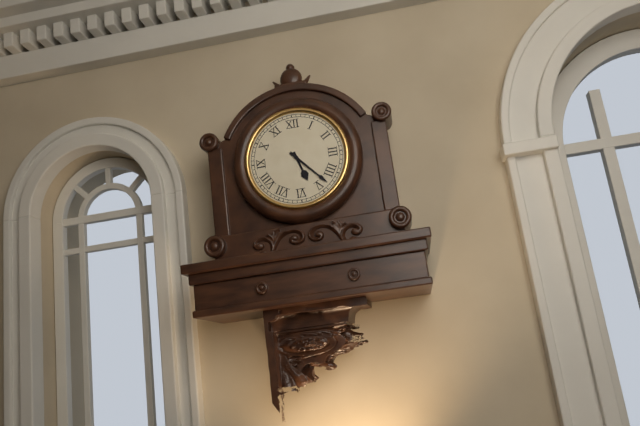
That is 5h23
